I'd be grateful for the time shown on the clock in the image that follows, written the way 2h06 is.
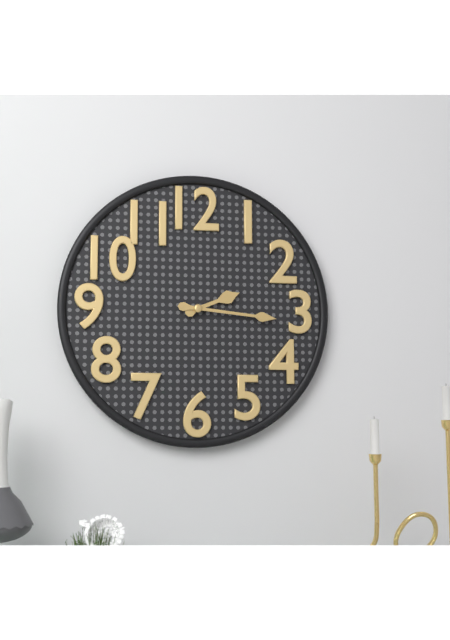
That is 2h16
